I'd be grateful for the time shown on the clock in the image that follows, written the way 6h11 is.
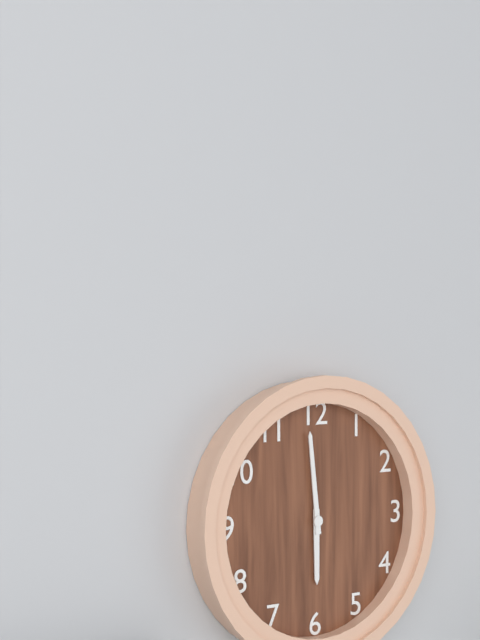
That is 5h59
